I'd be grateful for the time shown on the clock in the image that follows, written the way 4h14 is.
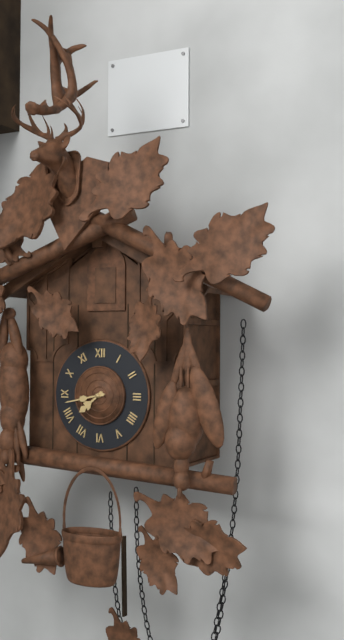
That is 7h43
